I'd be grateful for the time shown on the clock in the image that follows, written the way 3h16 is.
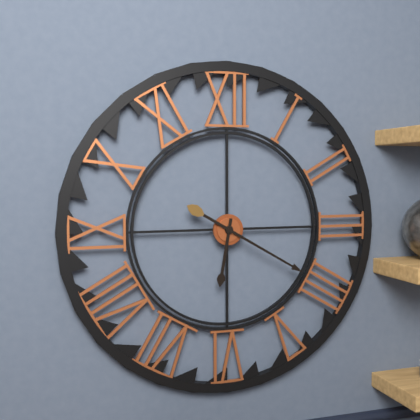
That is 6h20
